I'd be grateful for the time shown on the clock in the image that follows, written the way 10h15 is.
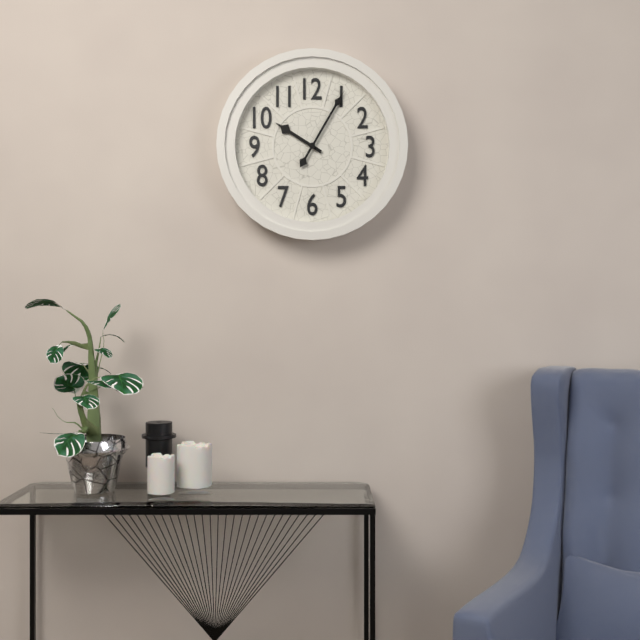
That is 10h05
